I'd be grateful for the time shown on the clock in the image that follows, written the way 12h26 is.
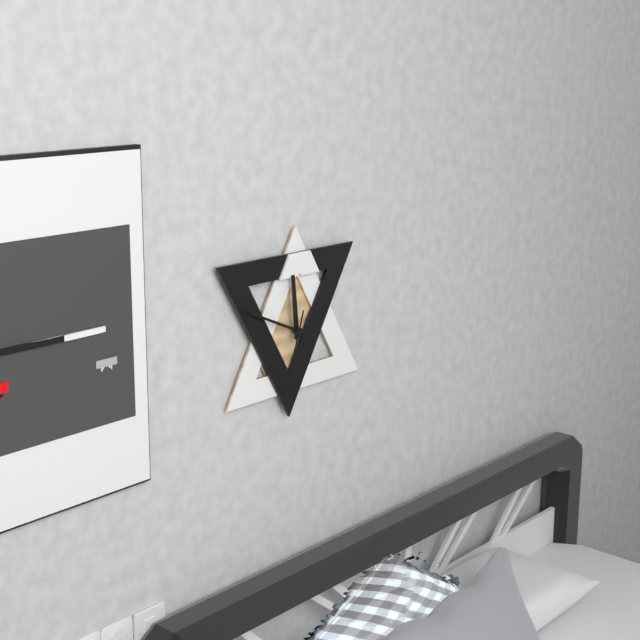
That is 11h49
